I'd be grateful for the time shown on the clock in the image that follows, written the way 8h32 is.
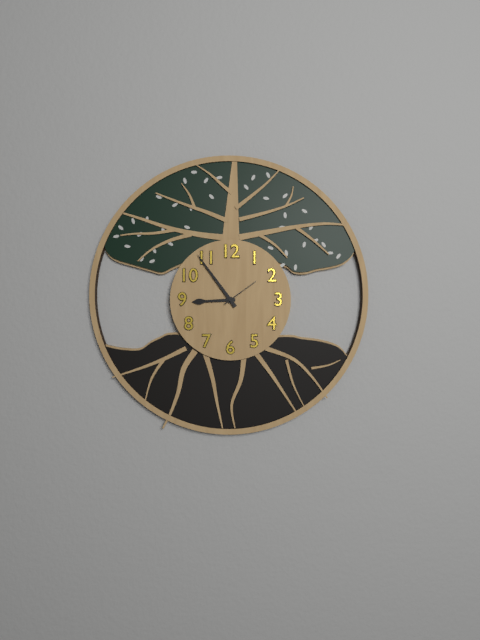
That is 8h54
